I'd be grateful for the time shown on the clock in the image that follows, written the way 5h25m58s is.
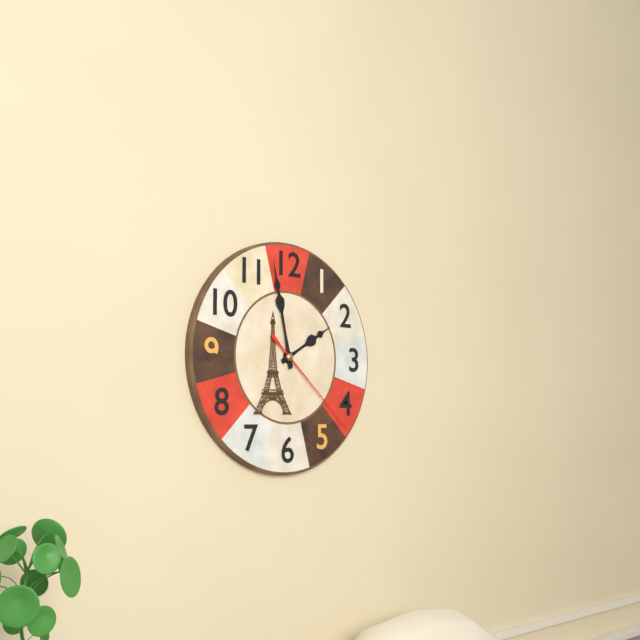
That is 1h58m22s
